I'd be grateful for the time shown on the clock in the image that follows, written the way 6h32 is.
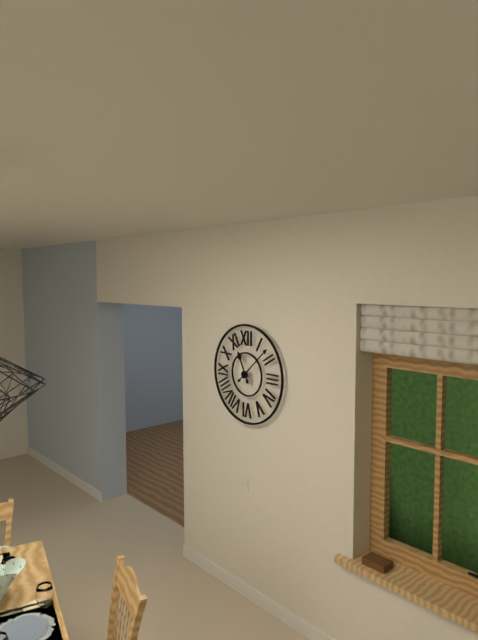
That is 11h08
